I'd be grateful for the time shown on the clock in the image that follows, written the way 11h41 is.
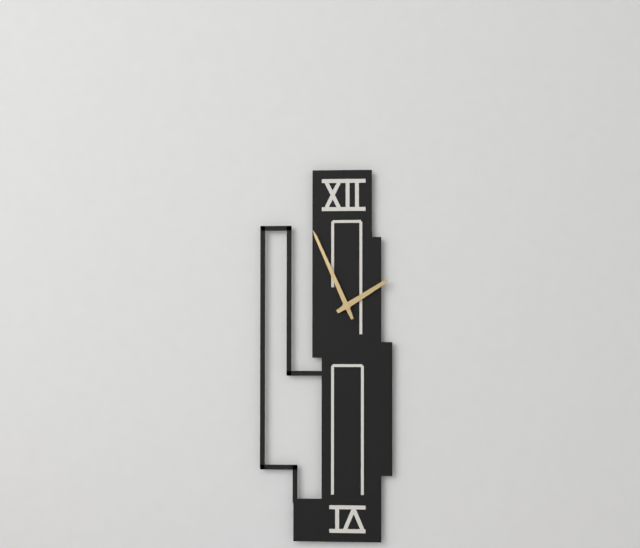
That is 1h56
